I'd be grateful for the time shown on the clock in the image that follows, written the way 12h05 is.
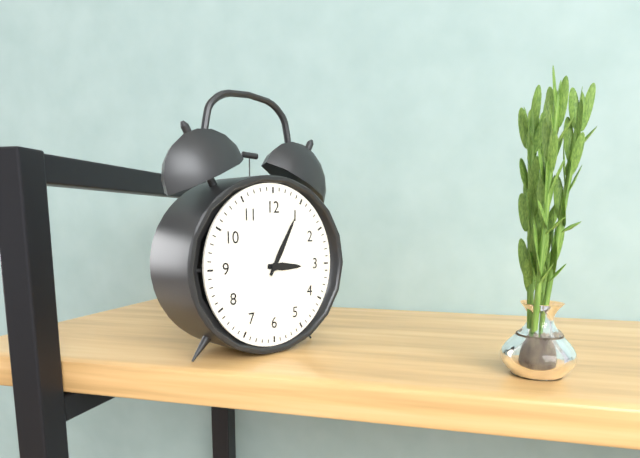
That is 3h05
